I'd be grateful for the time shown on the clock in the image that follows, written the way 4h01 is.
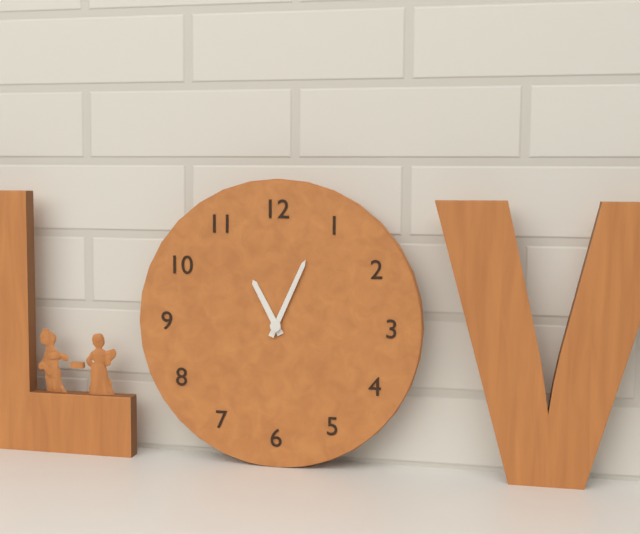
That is 11h04
